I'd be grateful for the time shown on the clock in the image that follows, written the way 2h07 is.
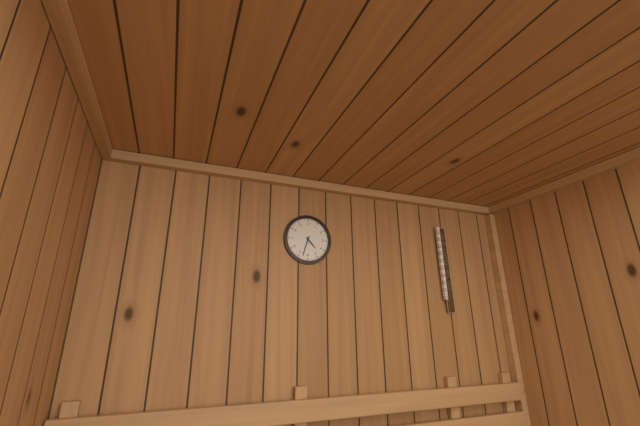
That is 4h33
